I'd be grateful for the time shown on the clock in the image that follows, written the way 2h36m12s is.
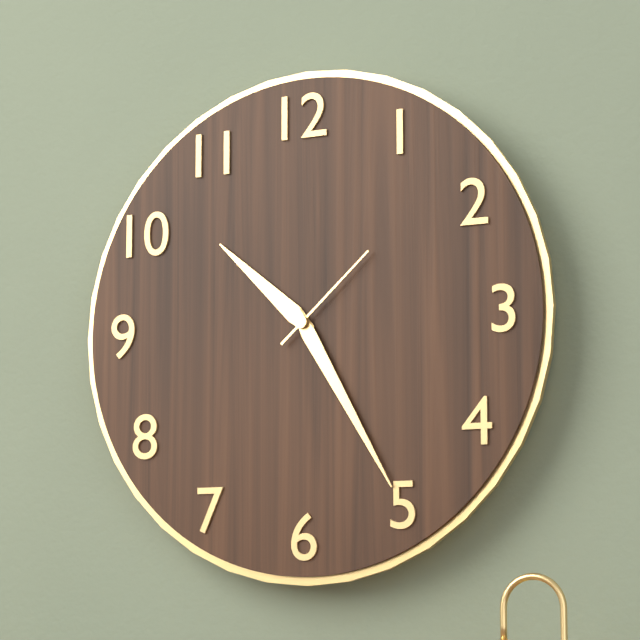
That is 10h25m08s
